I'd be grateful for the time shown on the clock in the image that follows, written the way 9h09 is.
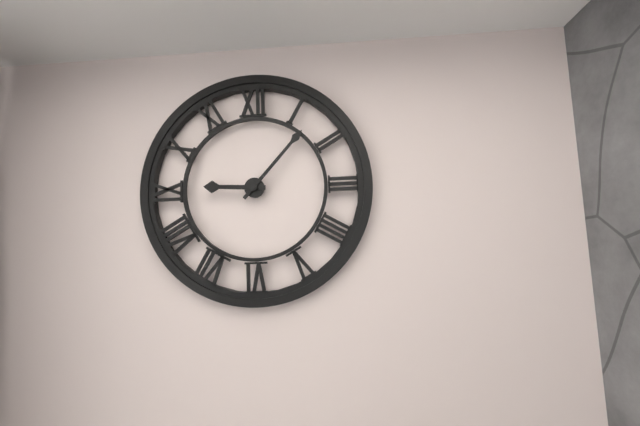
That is 9h07
